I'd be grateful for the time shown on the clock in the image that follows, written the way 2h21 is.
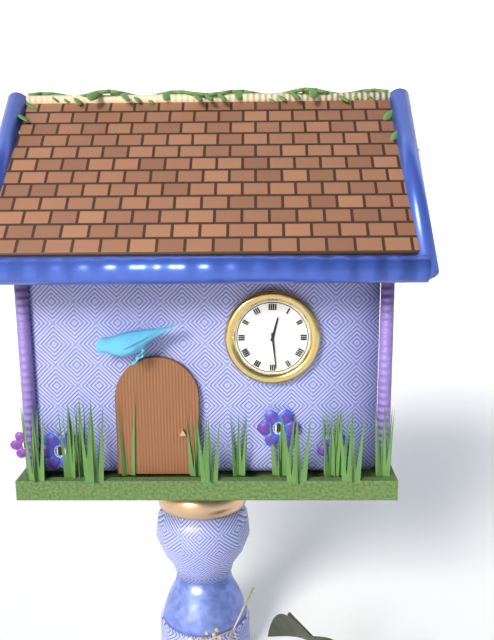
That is 12h29
